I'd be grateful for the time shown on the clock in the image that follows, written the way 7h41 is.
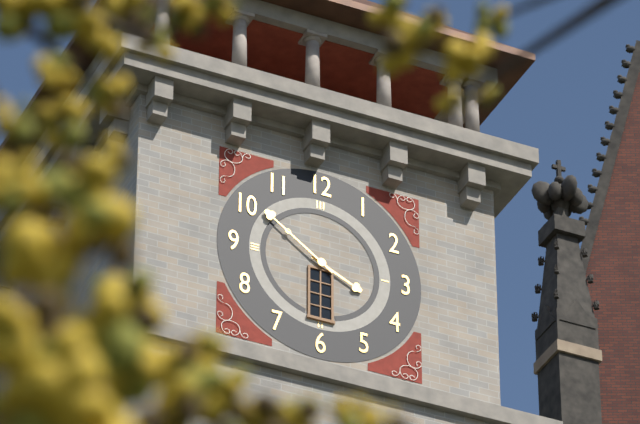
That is 3h51
